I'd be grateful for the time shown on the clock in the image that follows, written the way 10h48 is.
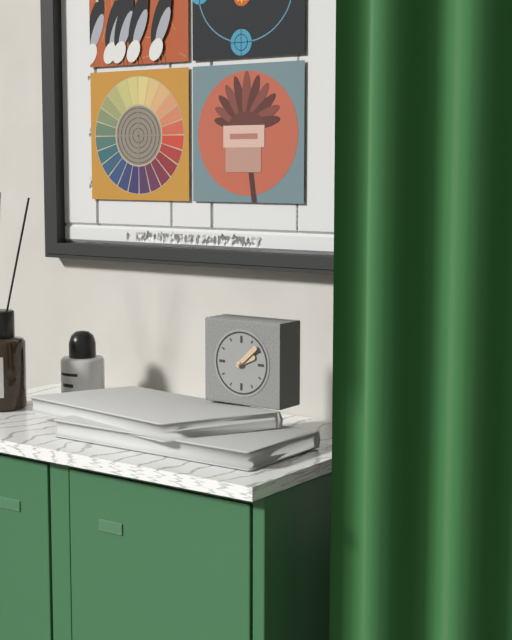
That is 2h08
